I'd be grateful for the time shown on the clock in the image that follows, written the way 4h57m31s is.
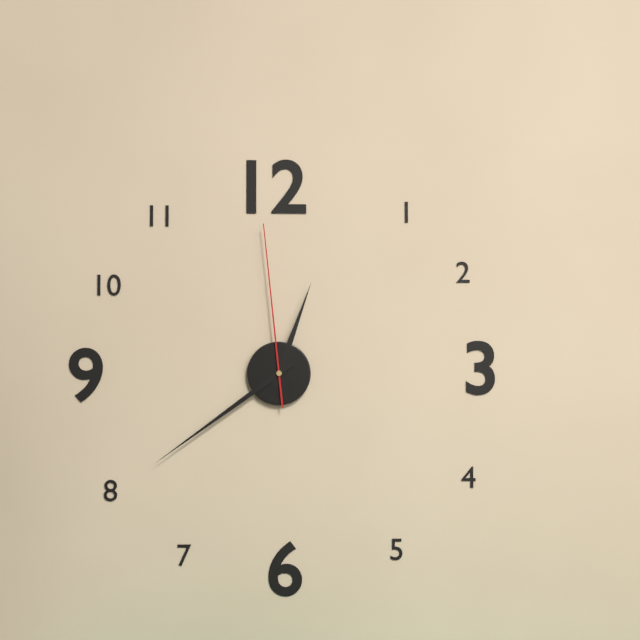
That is 12h39m59s
